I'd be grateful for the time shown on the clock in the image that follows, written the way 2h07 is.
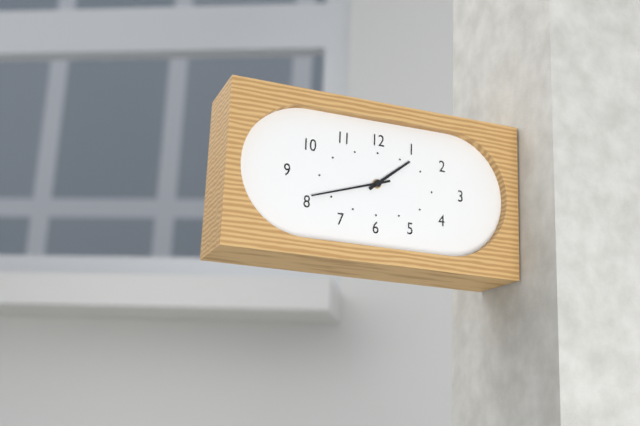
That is 1h42
